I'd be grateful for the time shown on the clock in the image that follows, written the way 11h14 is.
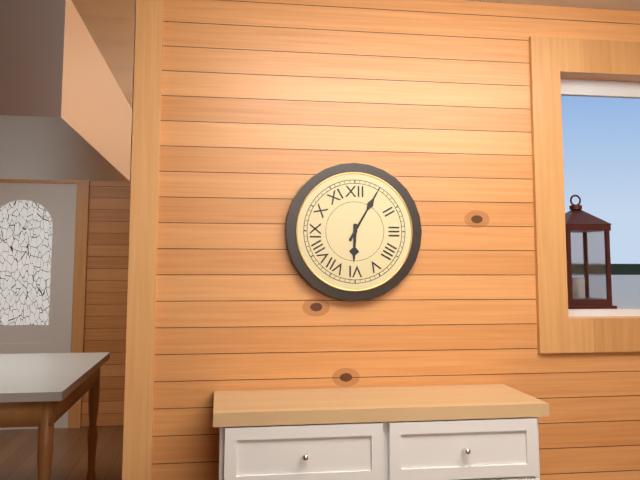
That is 6h05
